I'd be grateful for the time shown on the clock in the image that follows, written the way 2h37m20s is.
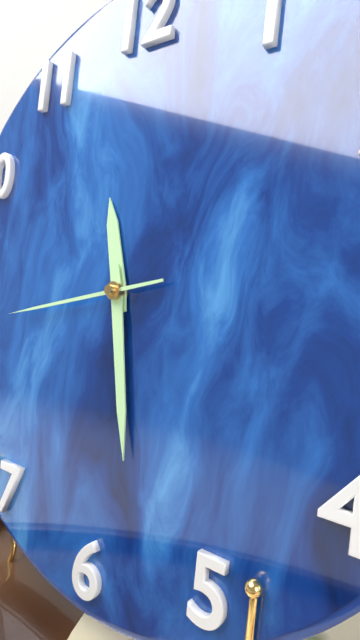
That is 11h28m43s
